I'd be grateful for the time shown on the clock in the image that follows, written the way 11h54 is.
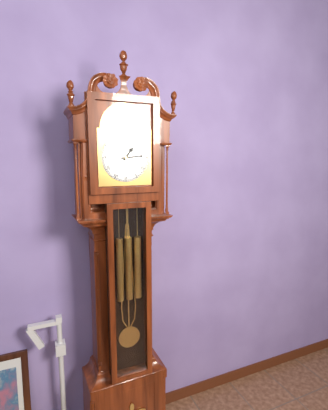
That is 1h14
